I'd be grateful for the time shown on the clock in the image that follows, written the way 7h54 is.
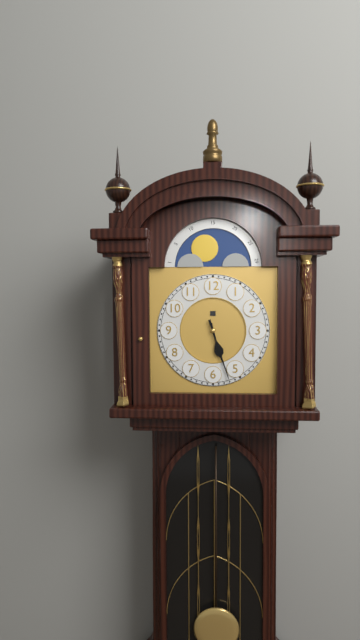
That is 5h27
